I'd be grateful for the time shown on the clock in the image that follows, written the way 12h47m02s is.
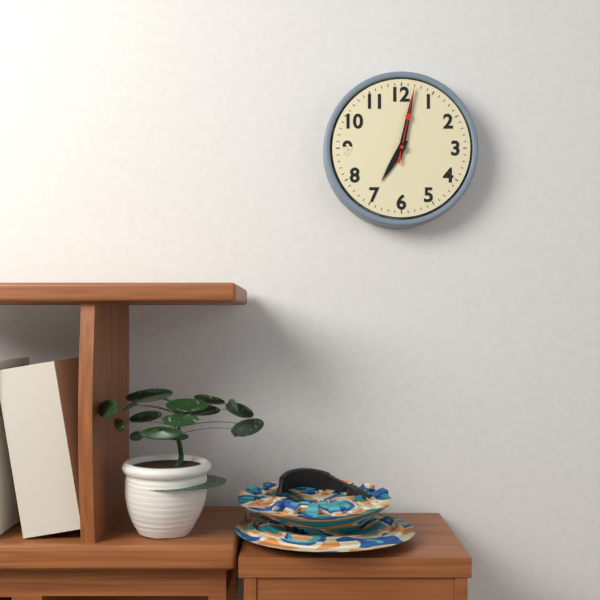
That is 7h02m02s
